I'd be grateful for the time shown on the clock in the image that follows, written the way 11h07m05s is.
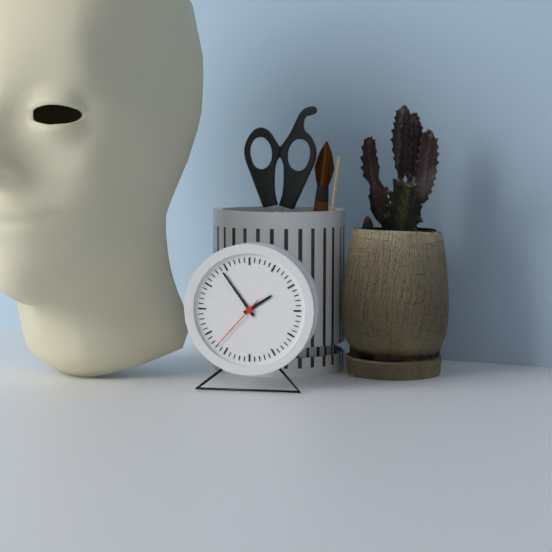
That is 1h54m37s
